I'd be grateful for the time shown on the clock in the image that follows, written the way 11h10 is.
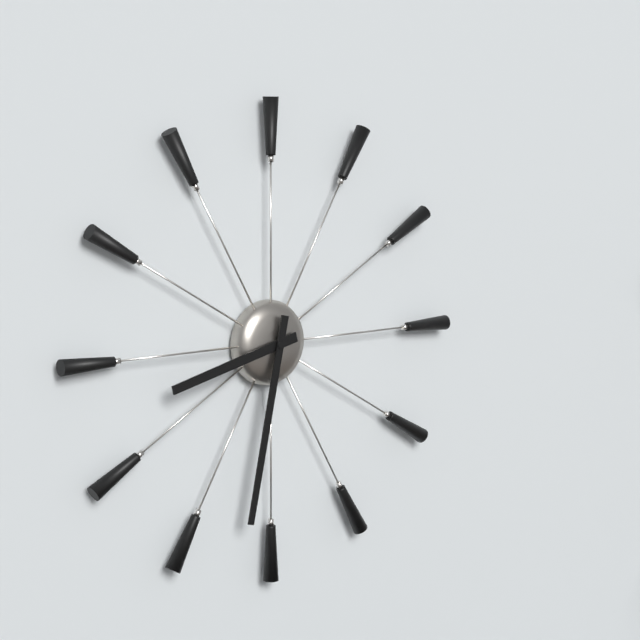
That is 8h32
